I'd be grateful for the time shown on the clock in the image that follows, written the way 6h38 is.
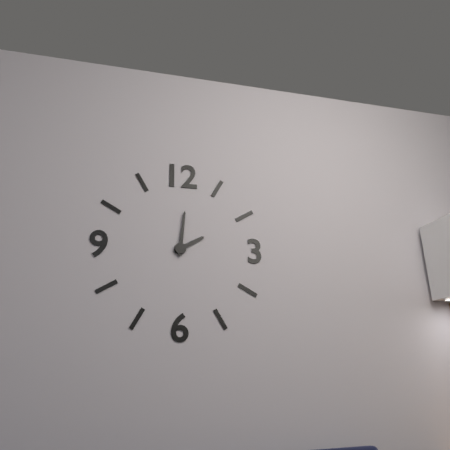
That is 2h01
